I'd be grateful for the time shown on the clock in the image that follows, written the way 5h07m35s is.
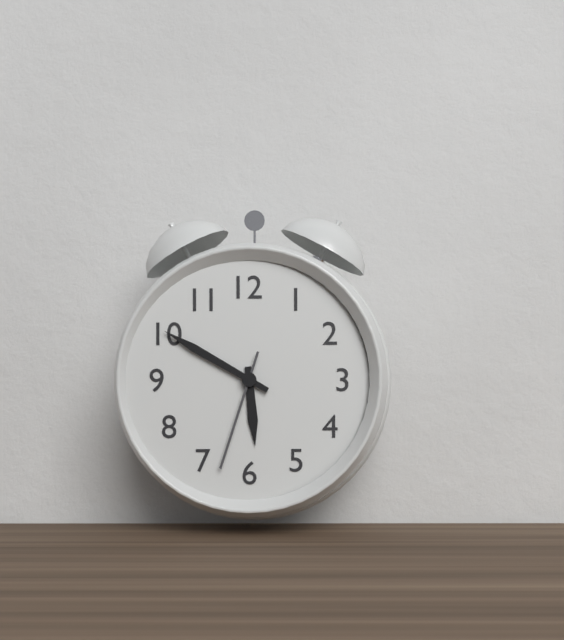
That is 5h50m33s
